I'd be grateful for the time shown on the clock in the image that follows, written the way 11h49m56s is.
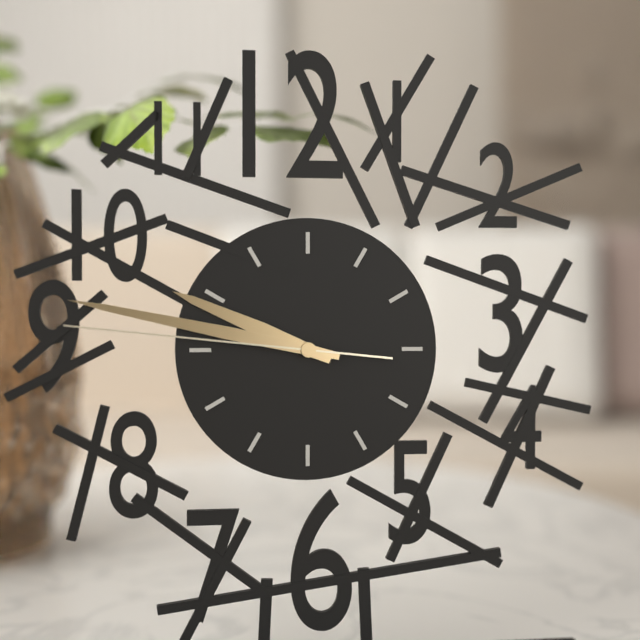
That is 9h47m46s
